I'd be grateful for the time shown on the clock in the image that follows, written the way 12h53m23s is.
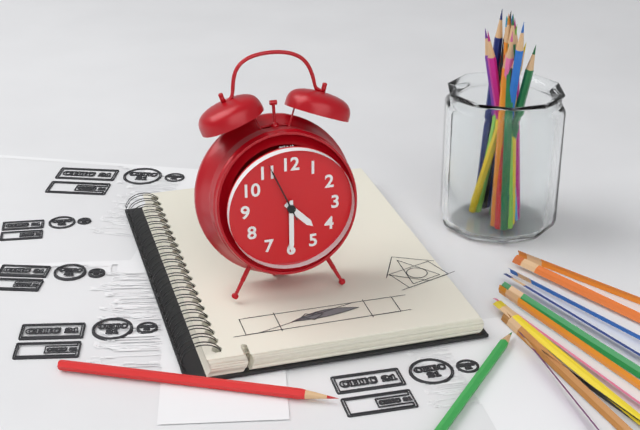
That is 4h30m56s
